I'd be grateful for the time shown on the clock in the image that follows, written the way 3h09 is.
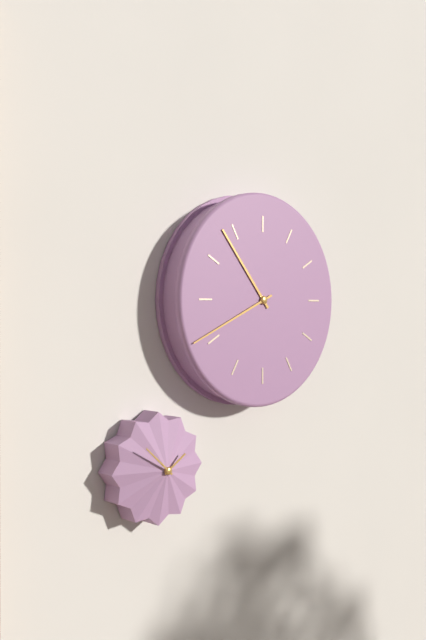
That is 10h41
